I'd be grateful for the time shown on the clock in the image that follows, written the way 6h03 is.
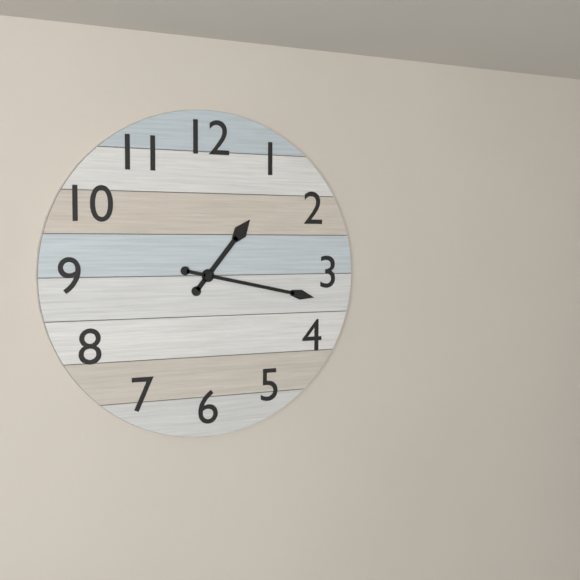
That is 1h17
